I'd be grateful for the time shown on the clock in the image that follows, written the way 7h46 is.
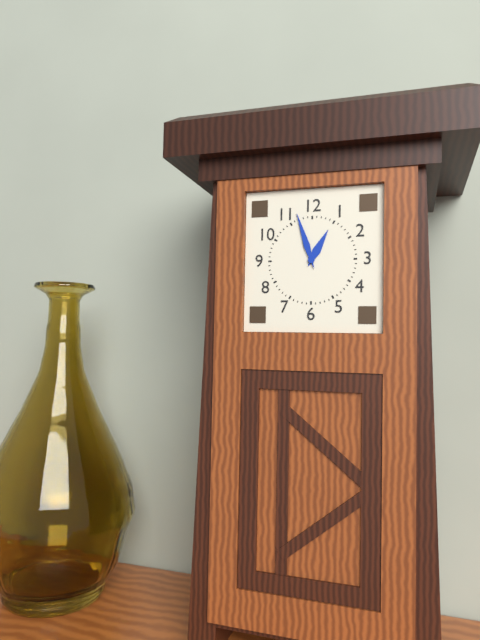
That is 12h57
